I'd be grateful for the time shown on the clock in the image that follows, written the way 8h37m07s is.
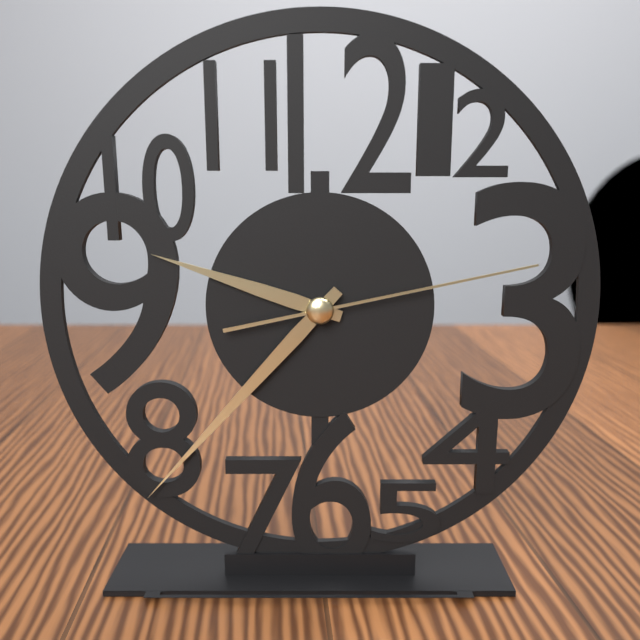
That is 9h37m13s
